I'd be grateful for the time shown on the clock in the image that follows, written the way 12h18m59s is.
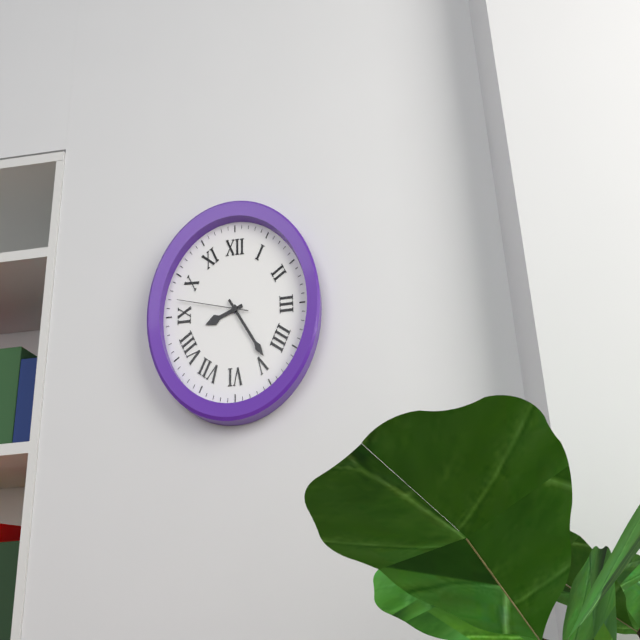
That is 8h24m47s
